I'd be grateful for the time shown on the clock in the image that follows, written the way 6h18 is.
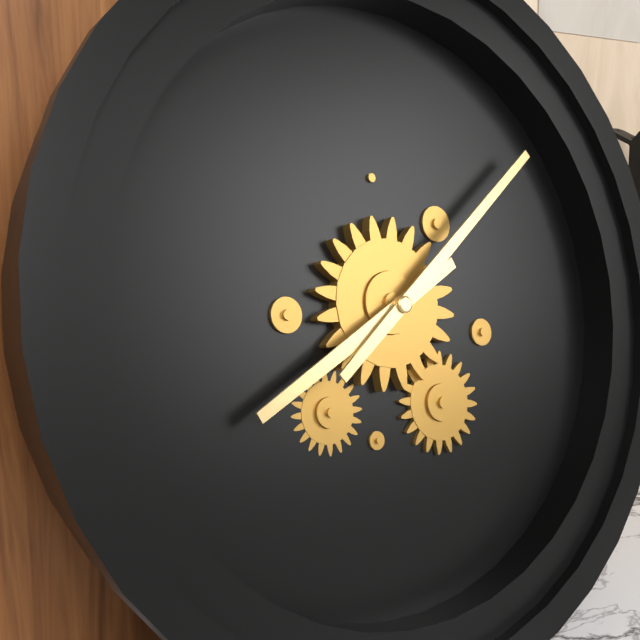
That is 8h09
